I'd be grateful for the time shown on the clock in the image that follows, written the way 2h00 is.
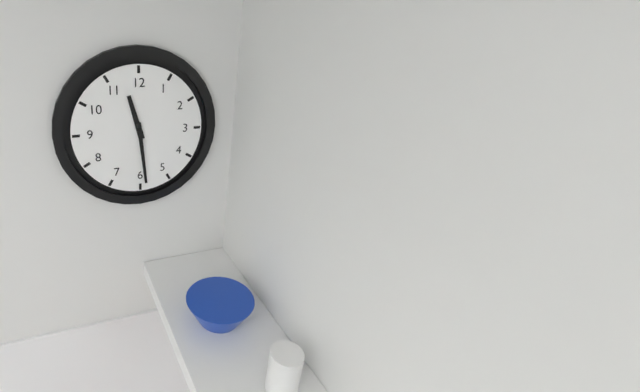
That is 11h29
